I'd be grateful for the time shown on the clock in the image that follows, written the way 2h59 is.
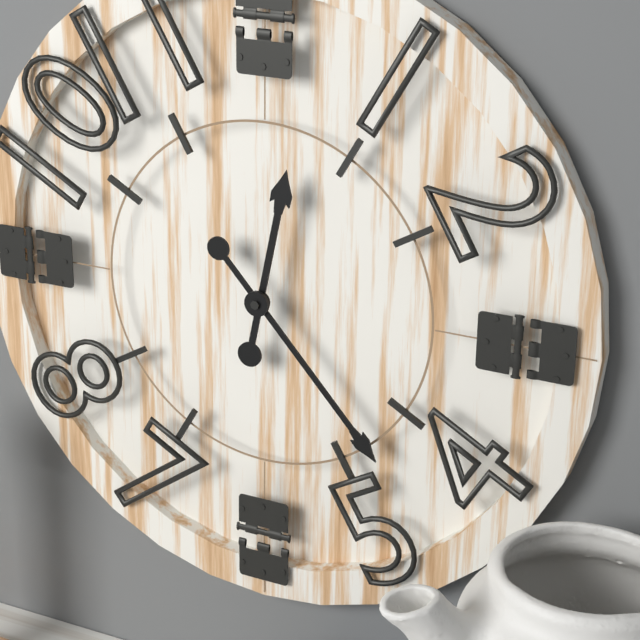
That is 12h23
